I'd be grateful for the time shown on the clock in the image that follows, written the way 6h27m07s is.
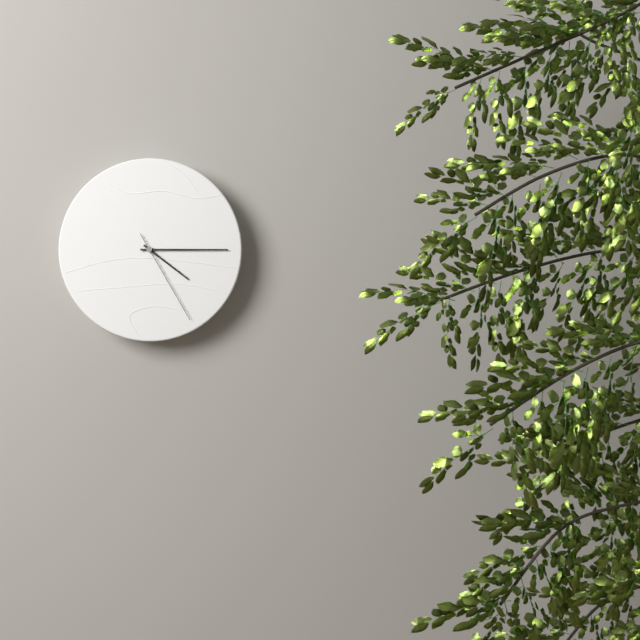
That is 4h15m25s
